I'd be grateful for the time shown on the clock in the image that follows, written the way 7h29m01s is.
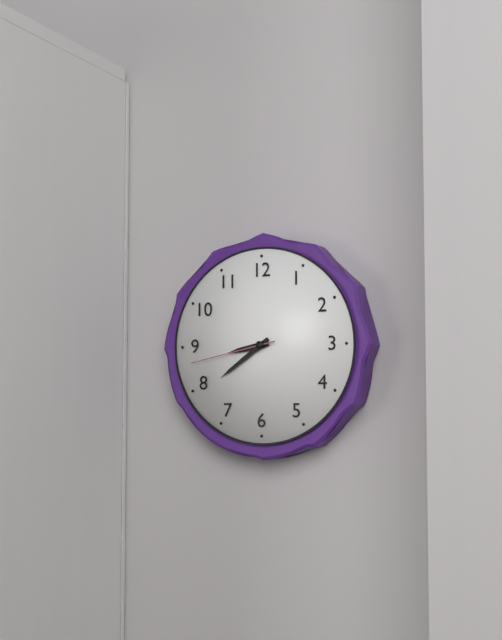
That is 8h39m43s
